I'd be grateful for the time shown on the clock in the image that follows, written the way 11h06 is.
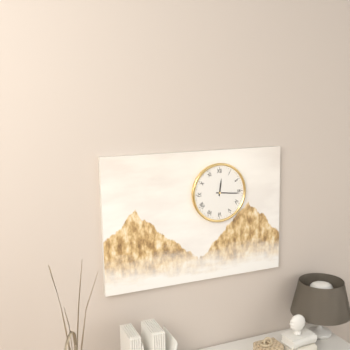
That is 12h16
